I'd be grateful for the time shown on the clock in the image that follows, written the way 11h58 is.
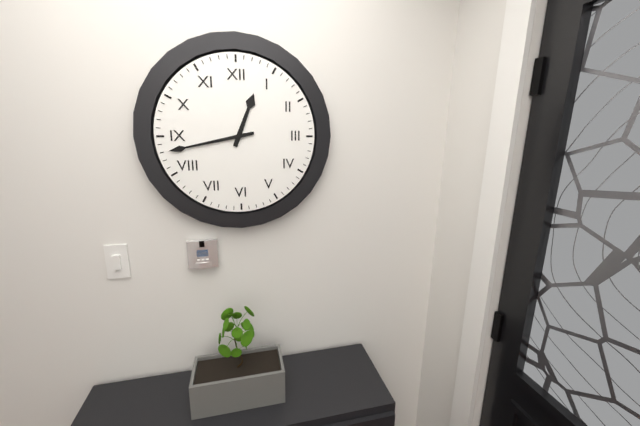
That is 12h43
